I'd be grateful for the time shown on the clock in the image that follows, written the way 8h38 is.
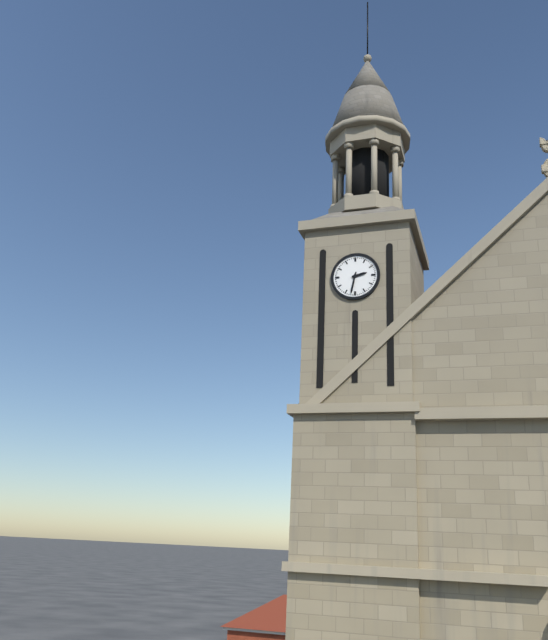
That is 2h32
